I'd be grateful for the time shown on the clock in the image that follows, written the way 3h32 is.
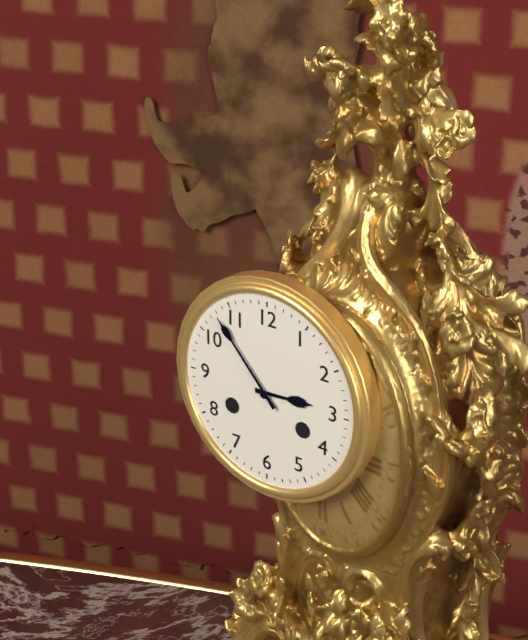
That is 2h53
